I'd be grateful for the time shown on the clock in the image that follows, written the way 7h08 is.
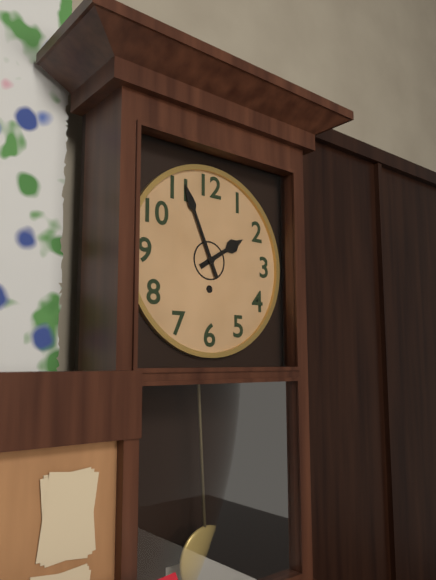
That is 1h56
